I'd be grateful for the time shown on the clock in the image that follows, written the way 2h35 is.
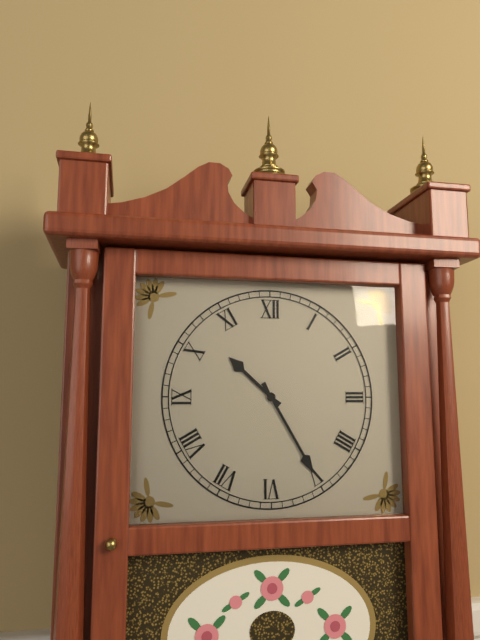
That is 10h25
